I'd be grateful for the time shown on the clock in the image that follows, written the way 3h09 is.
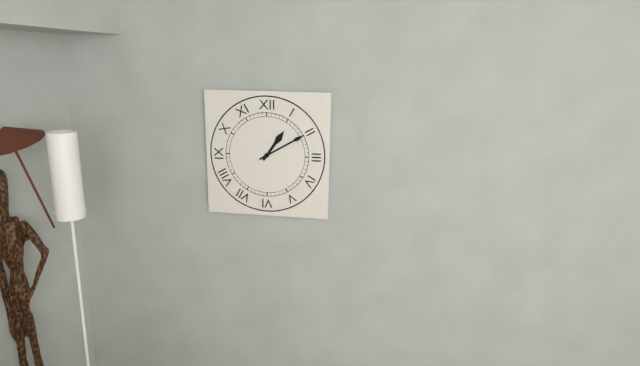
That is 1h10
